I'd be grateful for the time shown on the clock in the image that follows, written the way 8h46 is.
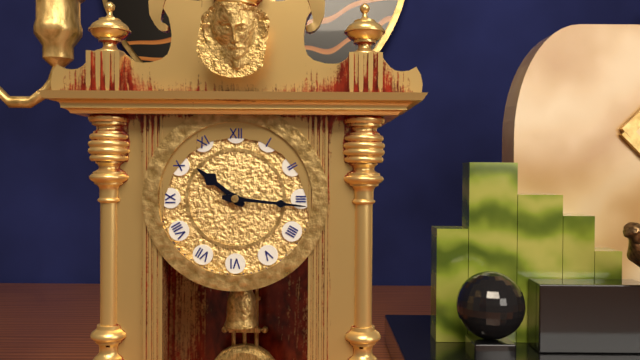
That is 10h16
